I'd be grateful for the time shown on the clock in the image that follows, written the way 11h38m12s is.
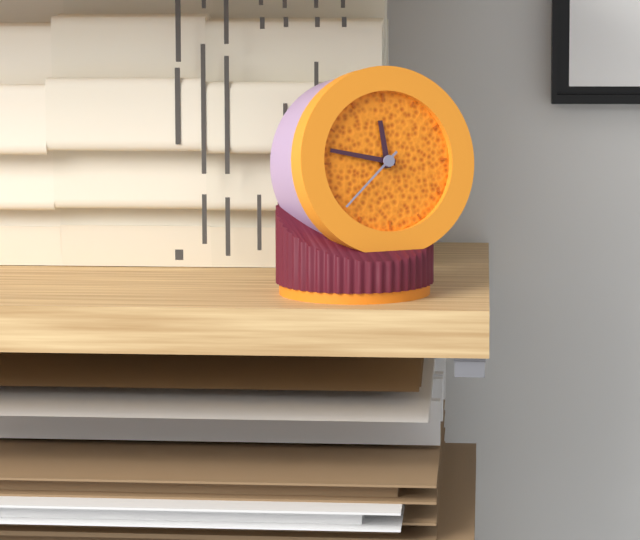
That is 11h47m38s
